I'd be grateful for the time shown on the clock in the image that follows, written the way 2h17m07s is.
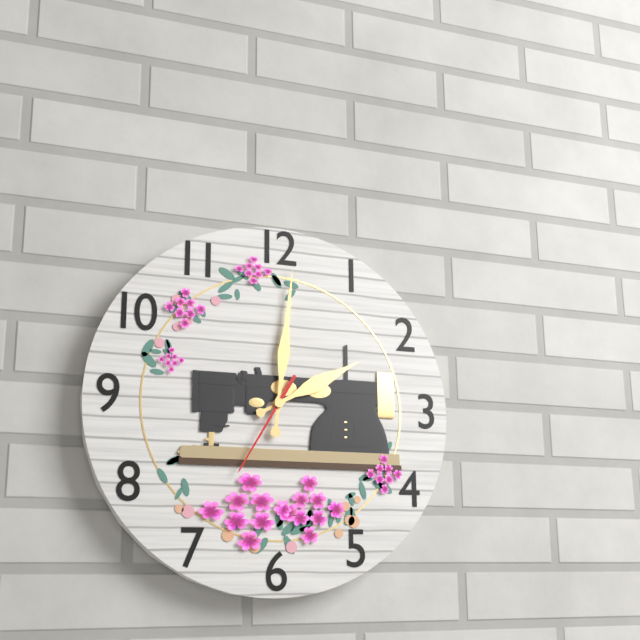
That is 2h01m35s
